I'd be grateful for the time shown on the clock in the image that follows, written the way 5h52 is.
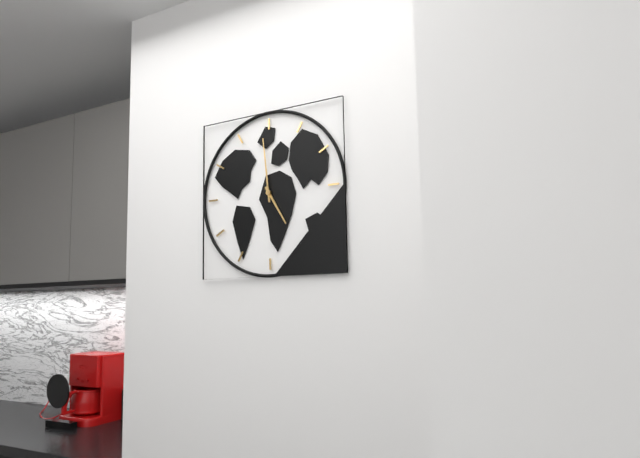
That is 4h59
